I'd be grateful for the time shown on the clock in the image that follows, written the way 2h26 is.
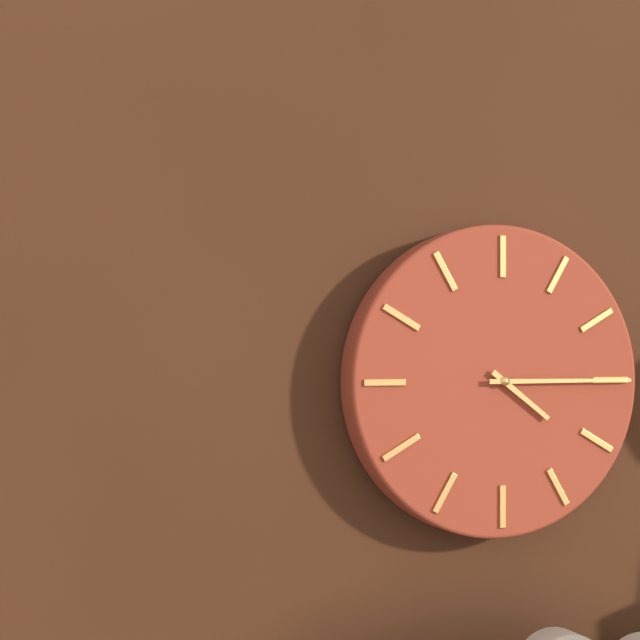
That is 4h15
